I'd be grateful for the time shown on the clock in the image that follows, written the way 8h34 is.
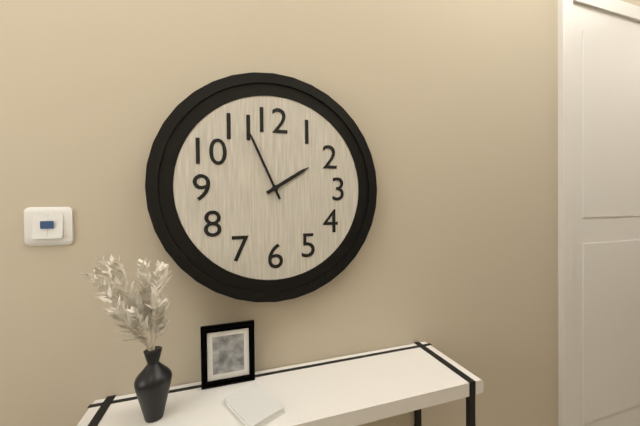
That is 1h56
